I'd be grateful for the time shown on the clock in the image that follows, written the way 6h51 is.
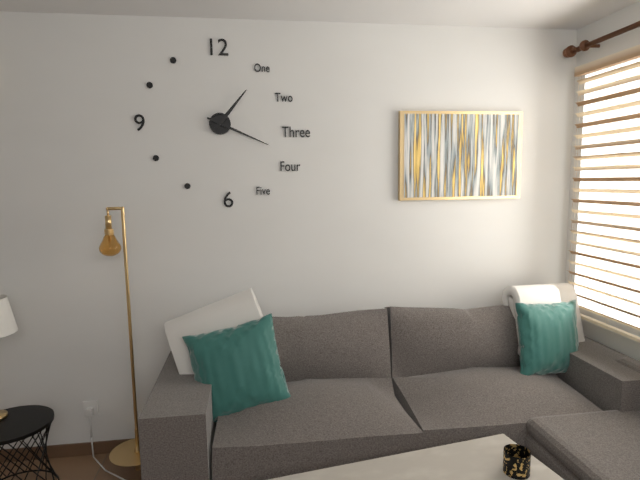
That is 1h19
